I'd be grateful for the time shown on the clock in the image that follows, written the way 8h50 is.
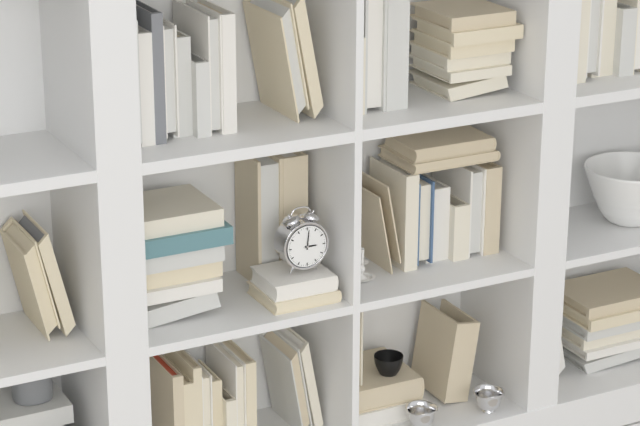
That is 3h01
